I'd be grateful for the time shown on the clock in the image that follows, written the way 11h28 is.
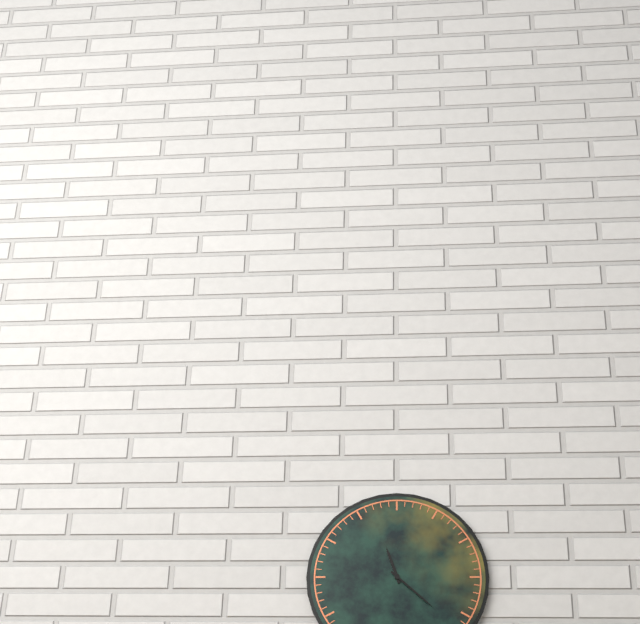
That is 11h22
